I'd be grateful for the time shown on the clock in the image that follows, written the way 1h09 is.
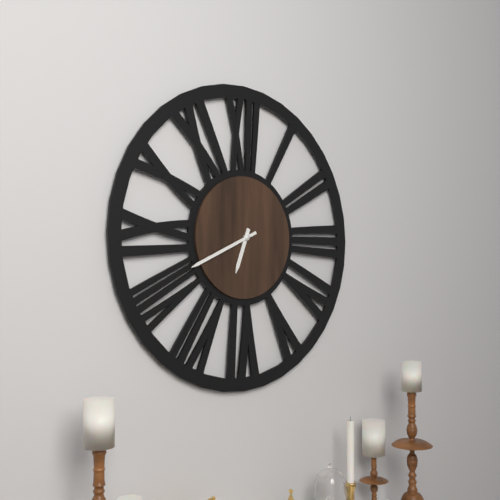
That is 6h41
